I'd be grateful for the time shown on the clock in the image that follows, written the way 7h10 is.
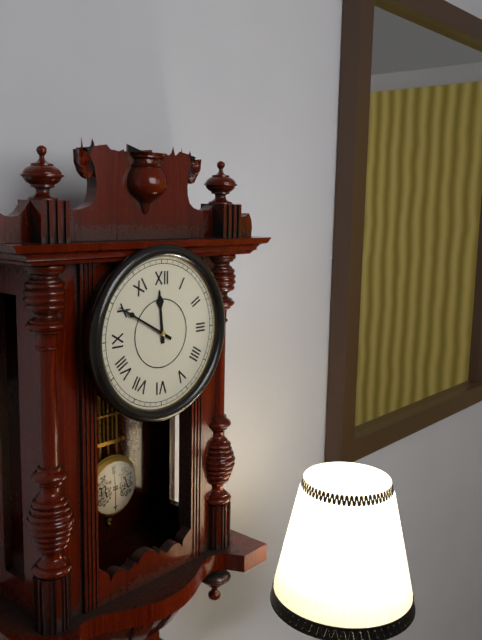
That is 11h50
